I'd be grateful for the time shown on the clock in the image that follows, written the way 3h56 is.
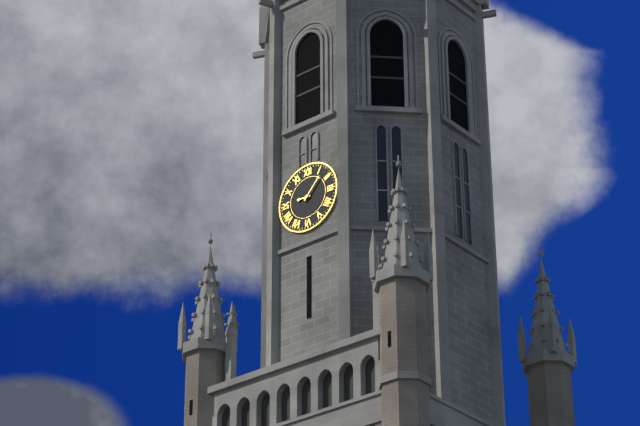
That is 9h07
